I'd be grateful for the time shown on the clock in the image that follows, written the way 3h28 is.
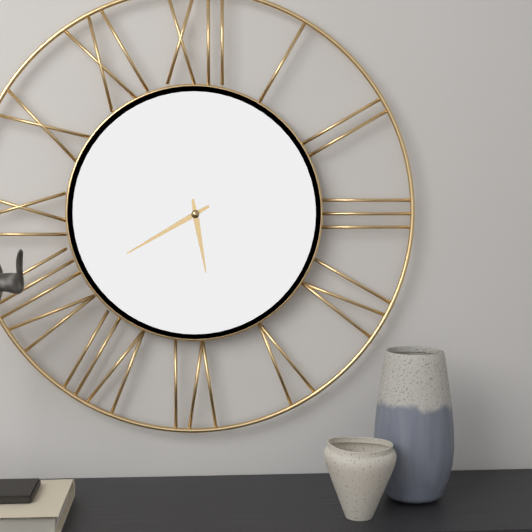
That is 5h40
